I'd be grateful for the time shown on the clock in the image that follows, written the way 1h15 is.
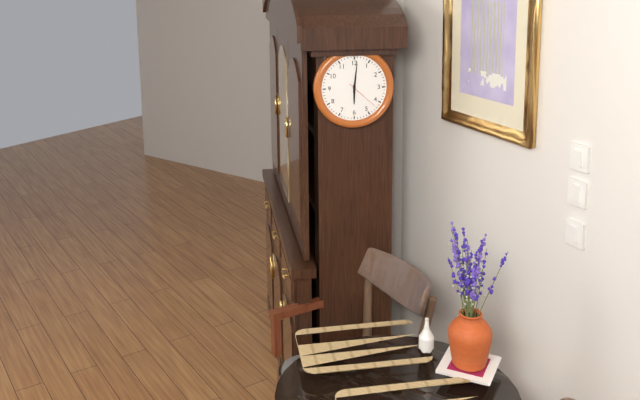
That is 6h01
